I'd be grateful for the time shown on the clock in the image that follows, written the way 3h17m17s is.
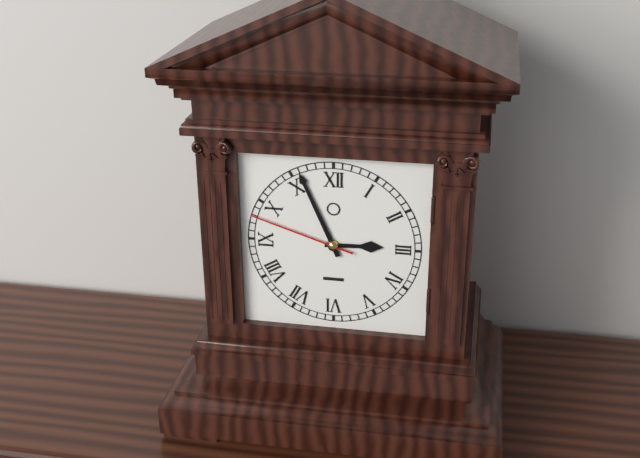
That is 2h56m48s
